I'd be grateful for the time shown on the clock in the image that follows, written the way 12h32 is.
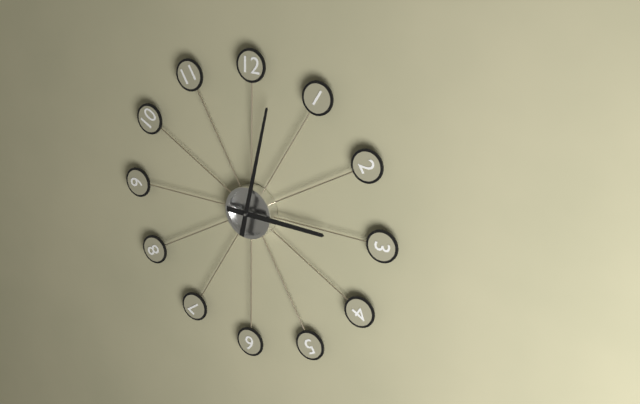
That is 3h02
